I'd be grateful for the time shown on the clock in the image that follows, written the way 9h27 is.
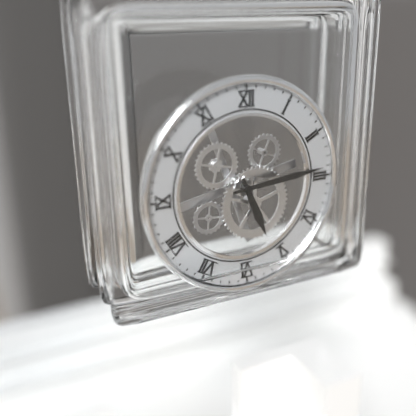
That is 5h14
